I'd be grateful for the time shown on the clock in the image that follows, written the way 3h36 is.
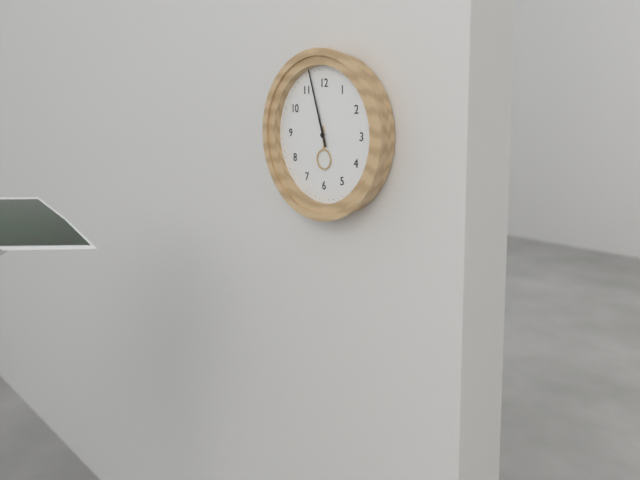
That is 5h57
